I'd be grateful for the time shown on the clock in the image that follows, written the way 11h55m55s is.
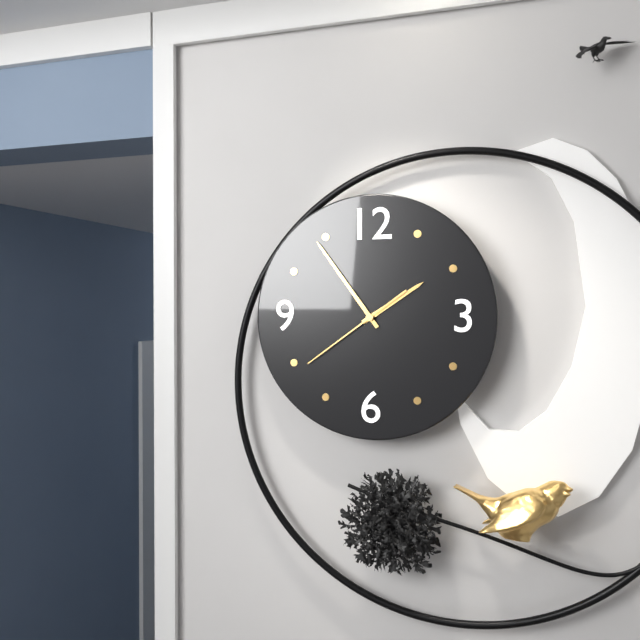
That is 1h54m39s
